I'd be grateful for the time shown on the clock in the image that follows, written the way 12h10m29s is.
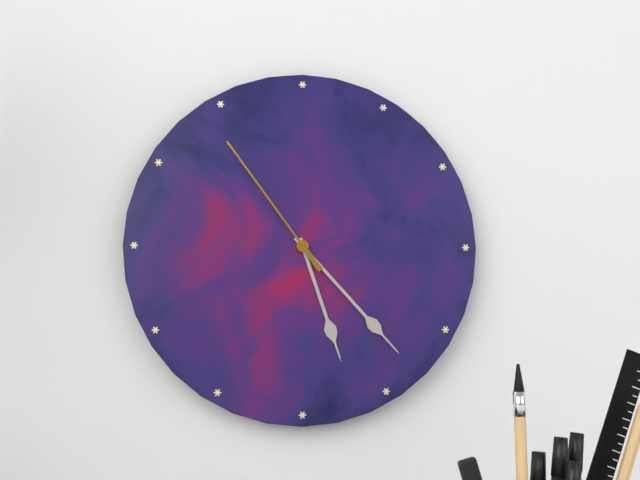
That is 5h23m54s
